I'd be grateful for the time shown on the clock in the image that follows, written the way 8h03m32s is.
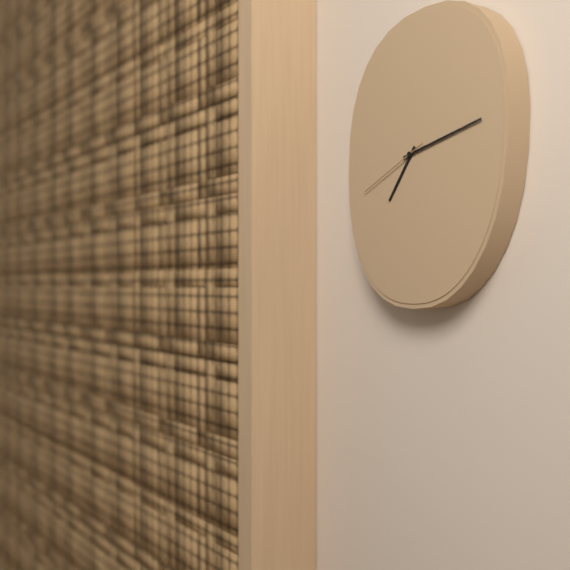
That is 7h13m41s
